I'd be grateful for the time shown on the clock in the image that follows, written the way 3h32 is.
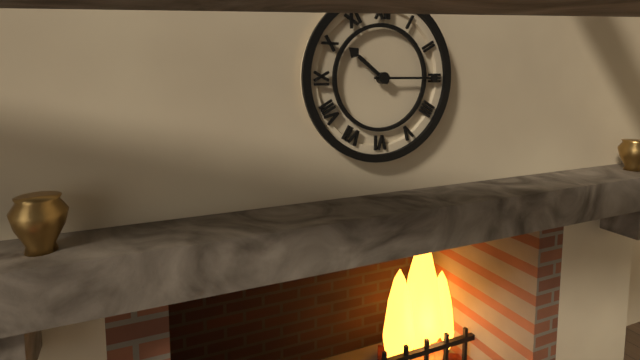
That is 10h15
